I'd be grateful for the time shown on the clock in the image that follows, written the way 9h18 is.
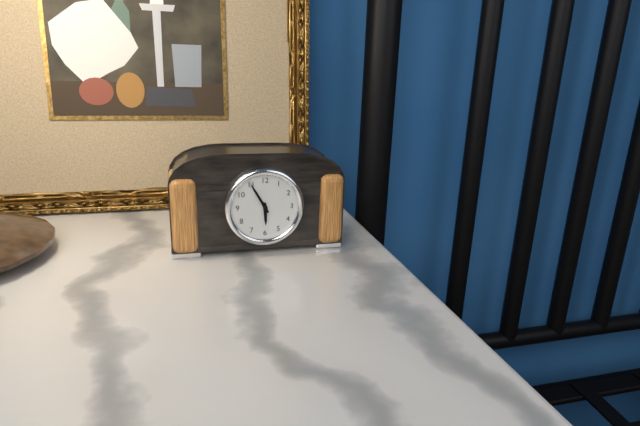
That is 5h55
